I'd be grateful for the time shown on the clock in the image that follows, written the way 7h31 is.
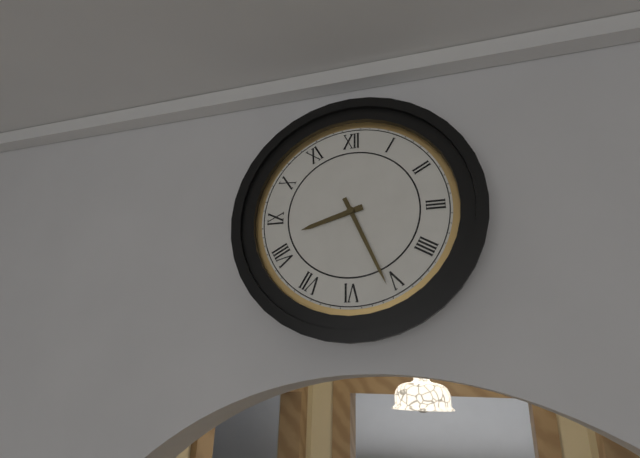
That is 8h26
